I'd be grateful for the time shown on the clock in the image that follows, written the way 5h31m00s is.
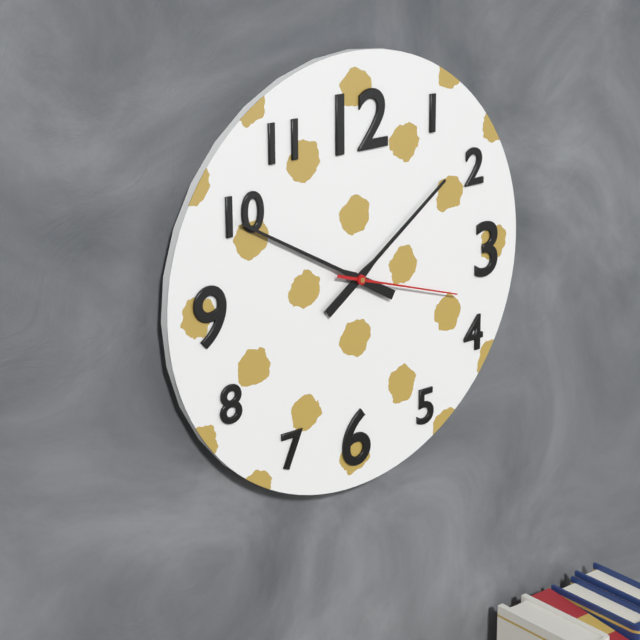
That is 1h50m18s
